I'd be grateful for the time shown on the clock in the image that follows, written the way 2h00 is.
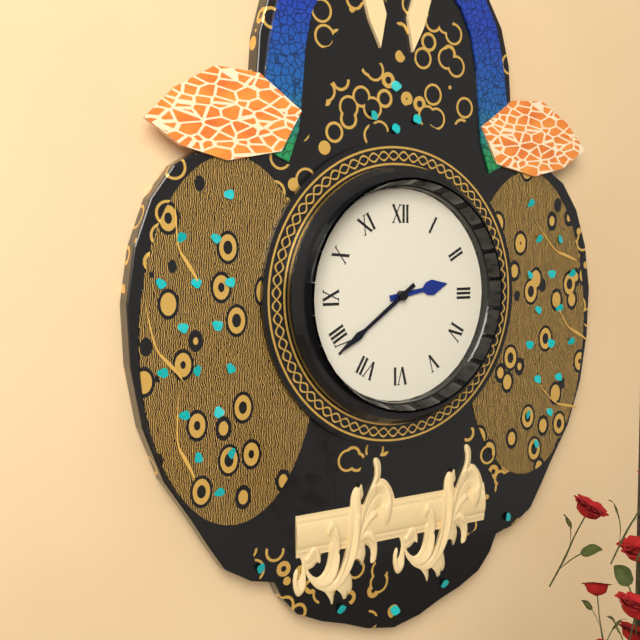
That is 2h39
